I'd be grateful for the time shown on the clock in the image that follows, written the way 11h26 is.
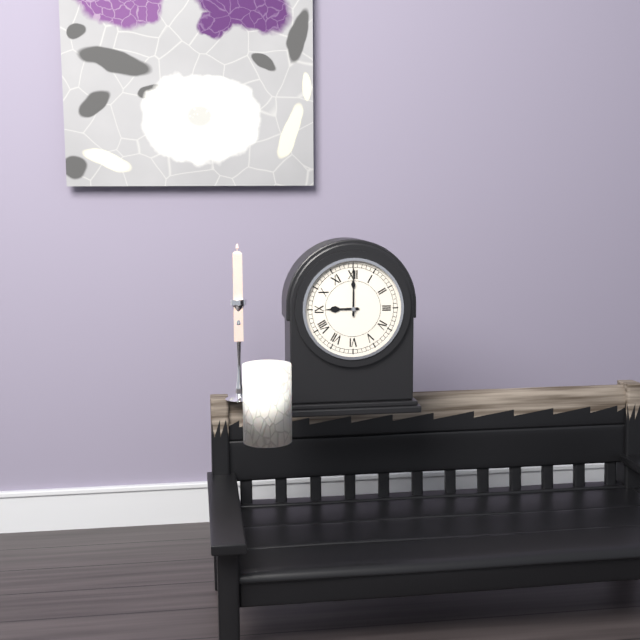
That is 9h00
